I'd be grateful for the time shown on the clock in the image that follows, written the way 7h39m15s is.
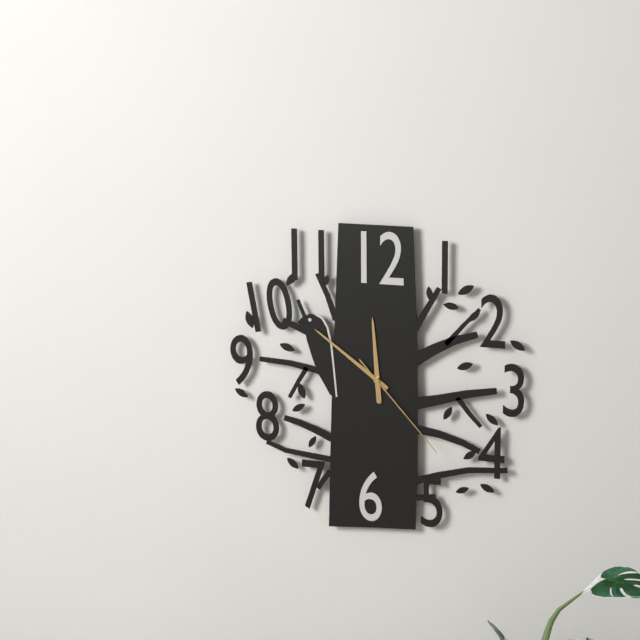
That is 11h51m23s
